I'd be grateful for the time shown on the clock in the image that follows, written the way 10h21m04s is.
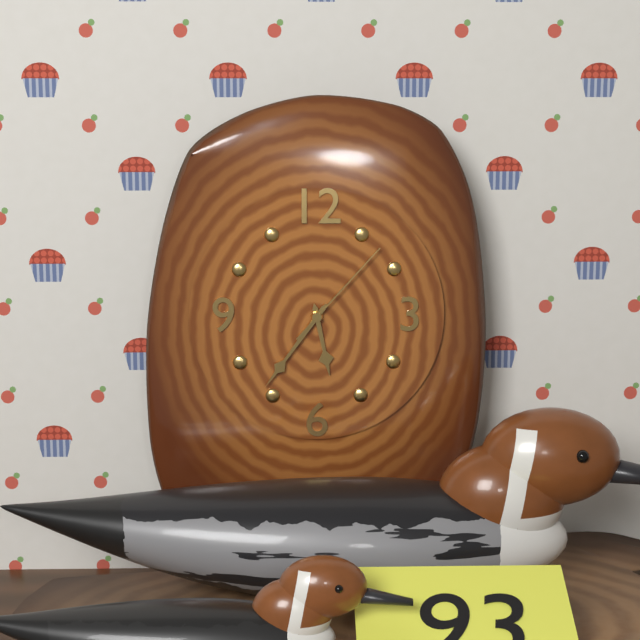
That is 5h36m07s
